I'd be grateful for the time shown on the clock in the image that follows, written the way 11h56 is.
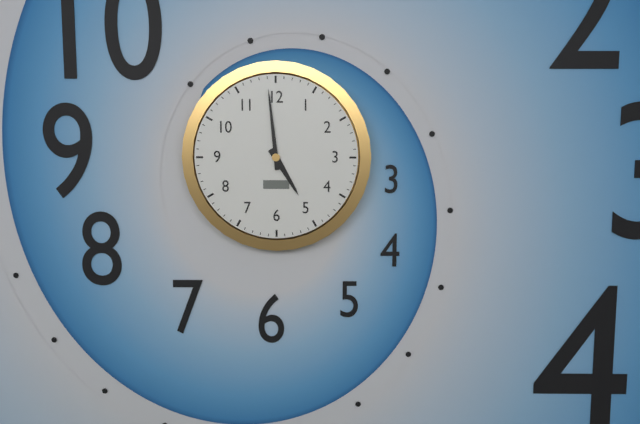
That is 4h59
